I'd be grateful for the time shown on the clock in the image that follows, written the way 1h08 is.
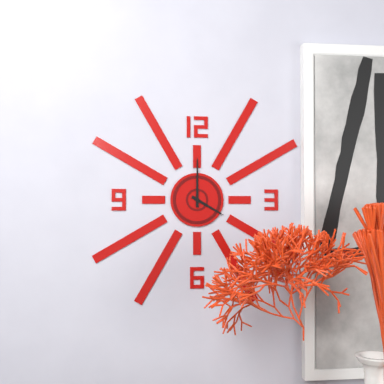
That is 4h00
